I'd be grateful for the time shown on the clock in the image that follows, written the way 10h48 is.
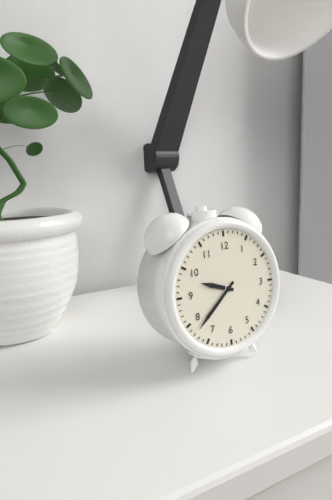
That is 9h38
